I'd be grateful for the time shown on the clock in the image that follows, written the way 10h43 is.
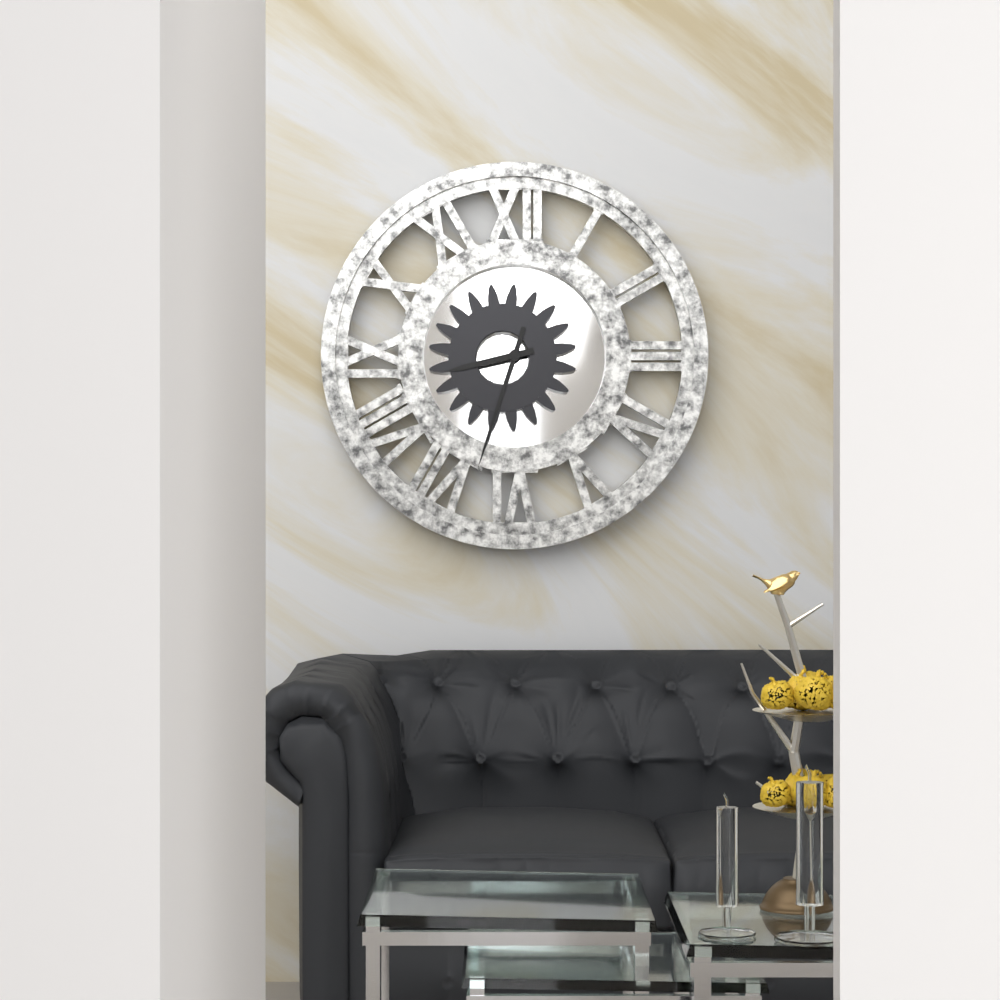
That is 8h33
